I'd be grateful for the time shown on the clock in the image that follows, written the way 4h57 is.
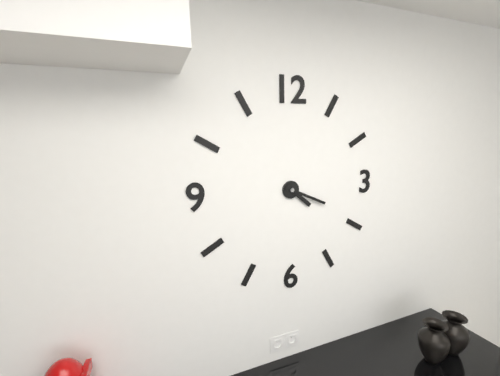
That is 4h19
